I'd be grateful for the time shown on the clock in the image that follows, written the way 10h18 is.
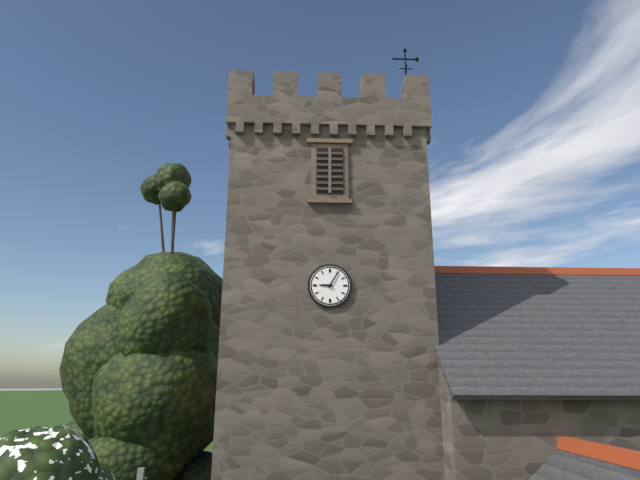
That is 9h05
